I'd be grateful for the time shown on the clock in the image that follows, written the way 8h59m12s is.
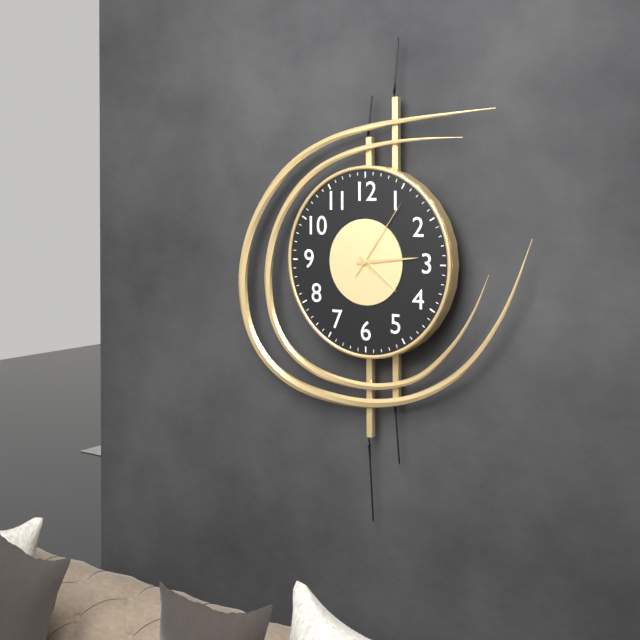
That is 4h14m06s
